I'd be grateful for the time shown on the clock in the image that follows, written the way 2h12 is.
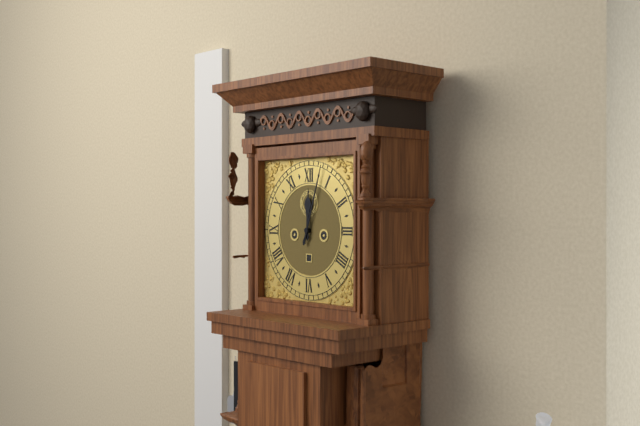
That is 12h03
